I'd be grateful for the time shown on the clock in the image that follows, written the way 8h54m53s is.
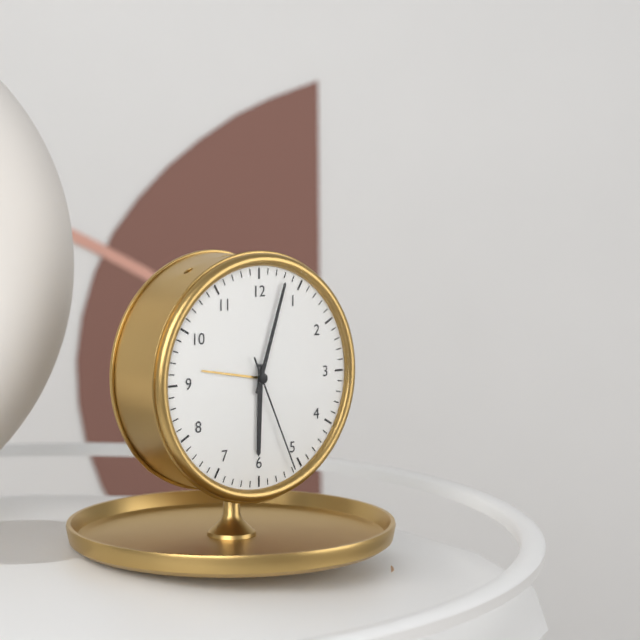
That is 6h03m26s
